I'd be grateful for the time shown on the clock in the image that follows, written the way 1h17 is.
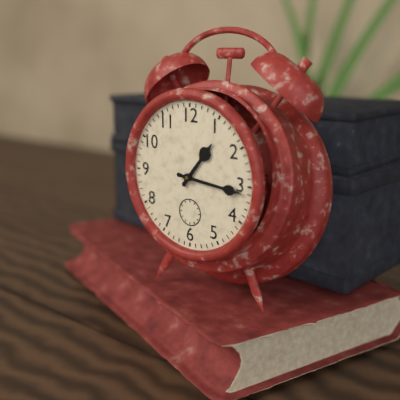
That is 1h16
